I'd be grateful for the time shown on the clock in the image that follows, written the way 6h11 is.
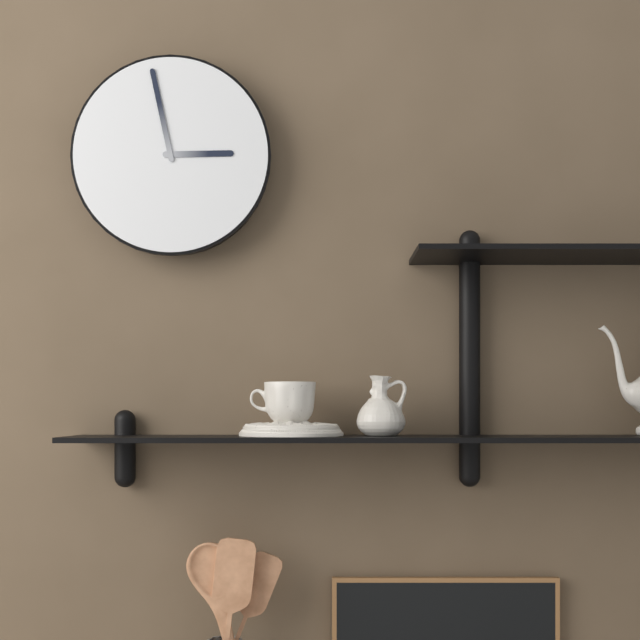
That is 2h58
